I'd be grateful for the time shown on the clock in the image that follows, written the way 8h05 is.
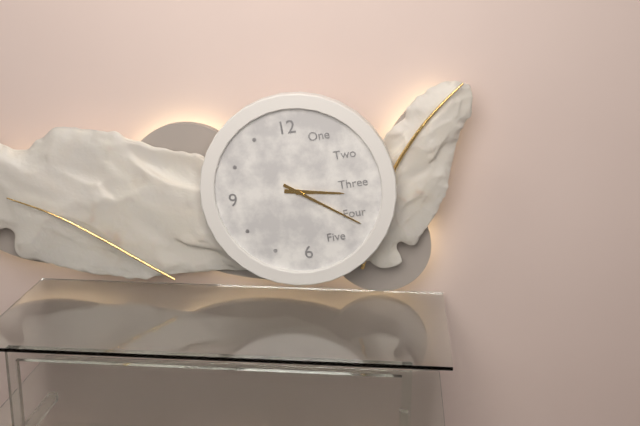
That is 3h21
